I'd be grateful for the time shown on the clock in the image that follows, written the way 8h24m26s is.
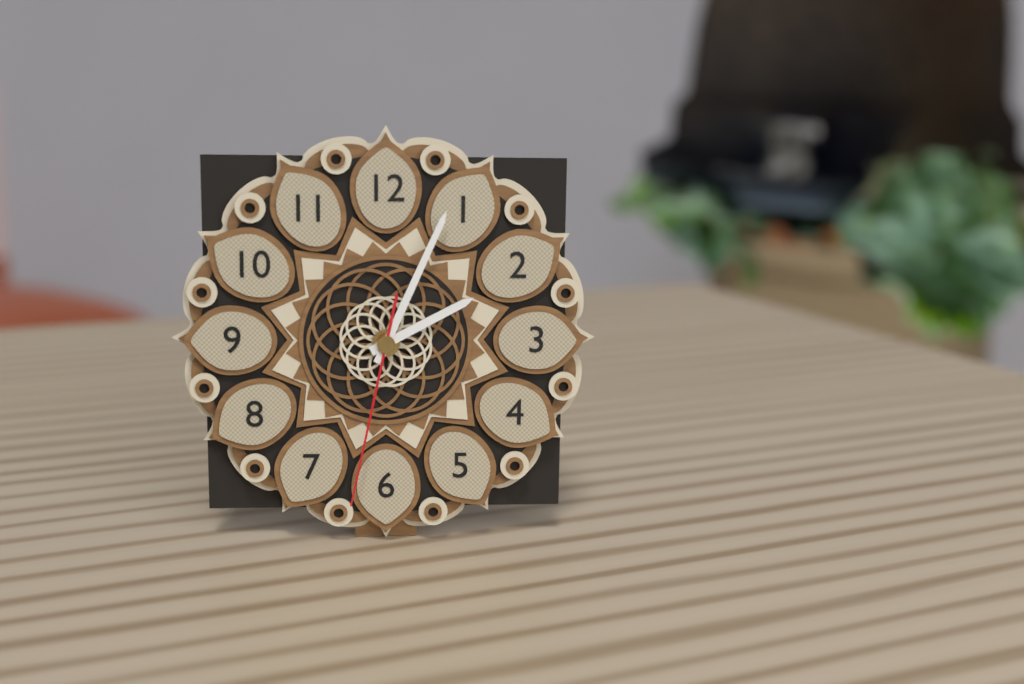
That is 2h04m32s
